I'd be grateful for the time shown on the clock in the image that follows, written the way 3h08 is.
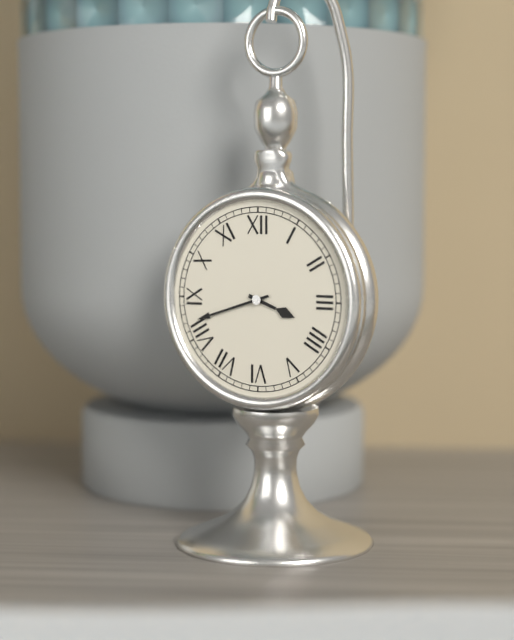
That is 3h42
